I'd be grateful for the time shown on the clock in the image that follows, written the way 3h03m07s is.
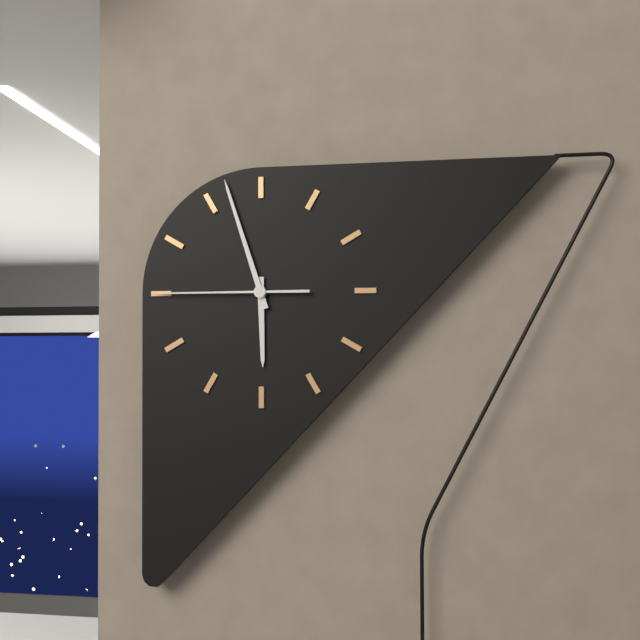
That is 5h57m45s
